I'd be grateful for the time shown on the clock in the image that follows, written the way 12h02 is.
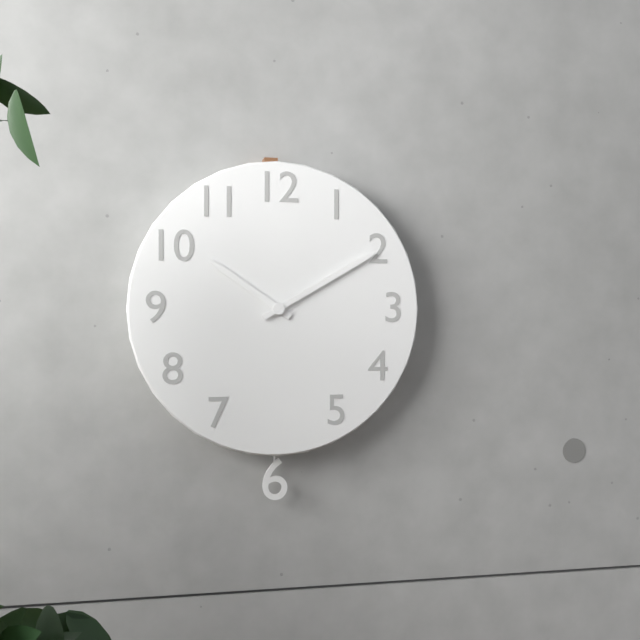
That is 10h10
